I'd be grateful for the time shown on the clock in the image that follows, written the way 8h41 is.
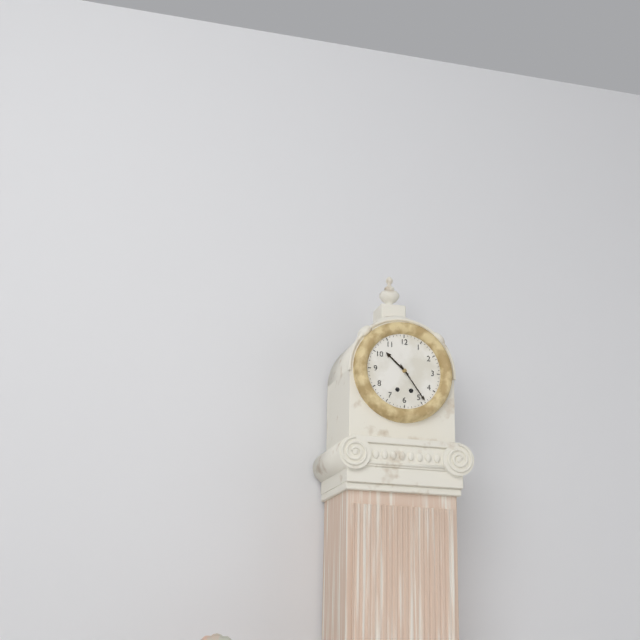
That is 10h24
